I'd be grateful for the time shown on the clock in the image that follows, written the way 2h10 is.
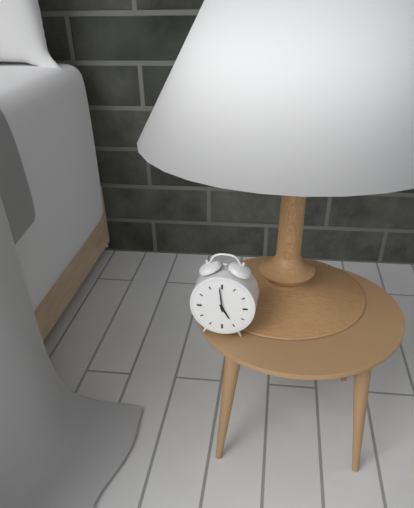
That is 4h59
